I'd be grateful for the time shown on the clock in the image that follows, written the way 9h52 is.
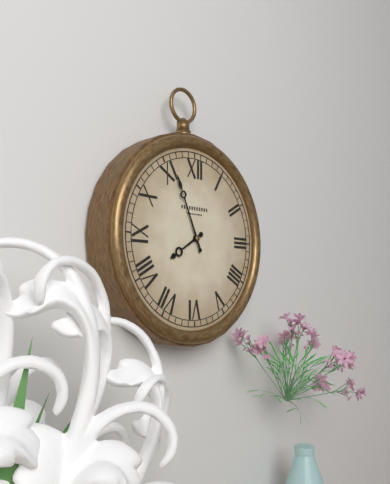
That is 7h56
